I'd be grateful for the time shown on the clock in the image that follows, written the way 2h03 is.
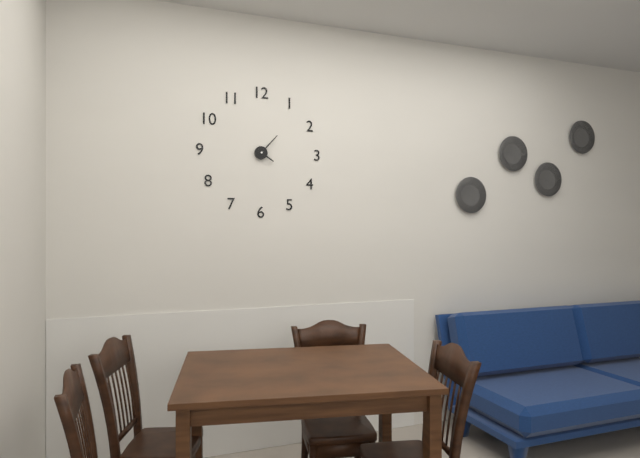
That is 4h07
